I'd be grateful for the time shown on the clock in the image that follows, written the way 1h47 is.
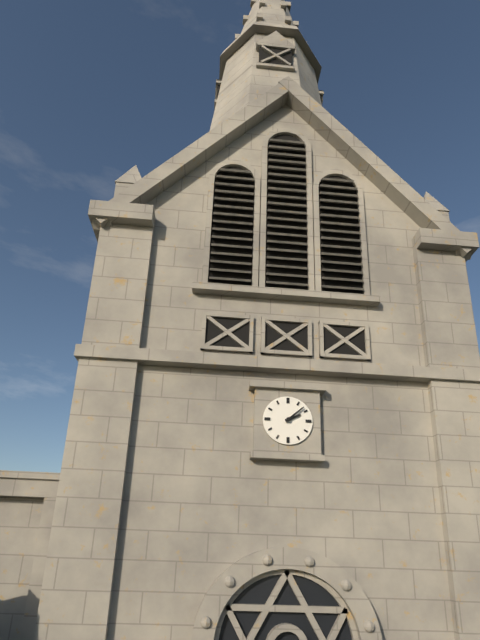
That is 2h08
